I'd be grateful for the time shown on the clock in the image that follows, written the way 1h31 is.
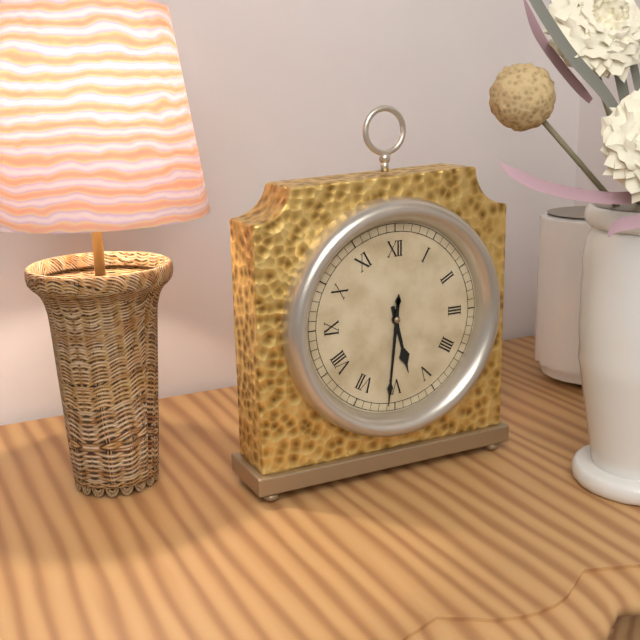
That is 5h31
